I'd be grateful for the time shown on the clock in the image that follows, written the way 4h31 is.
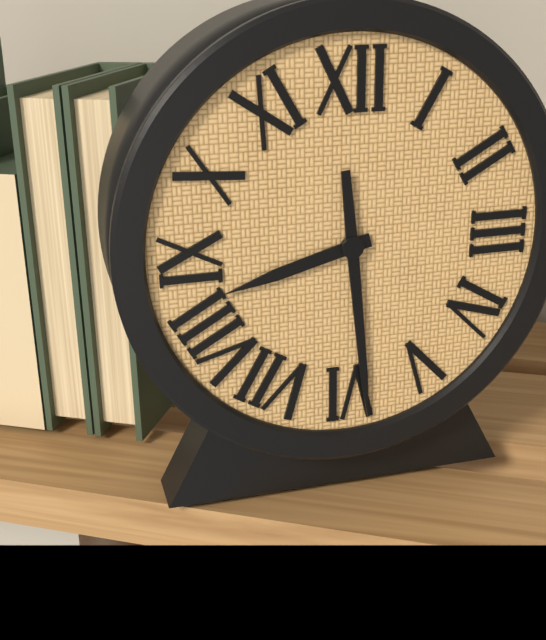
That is 8h29
